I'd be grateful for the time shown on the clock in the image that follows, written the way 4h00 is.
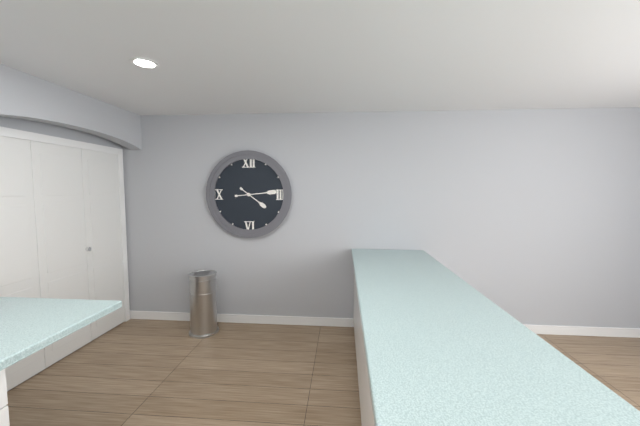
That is 4h14
